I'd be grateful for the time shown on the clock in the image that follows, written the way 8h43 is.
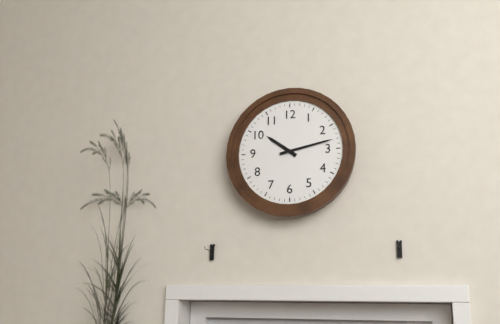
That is 10h13
